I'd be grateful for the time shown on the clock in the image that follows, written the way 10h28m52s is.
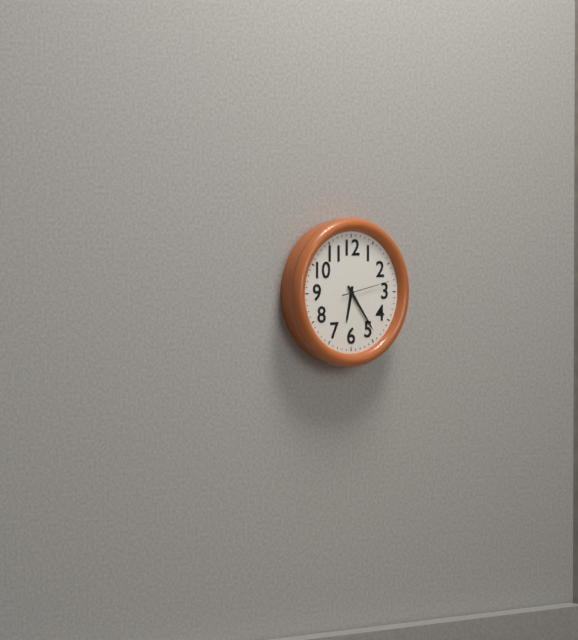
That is 6h24m13s
